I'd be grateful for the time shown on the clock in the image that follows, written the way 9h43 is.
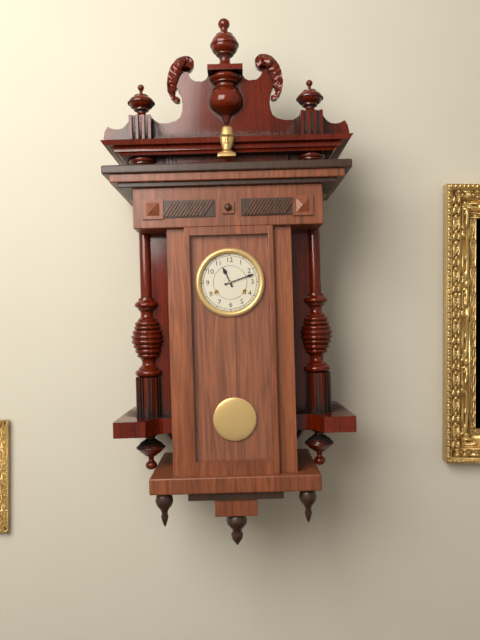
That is 11h12
